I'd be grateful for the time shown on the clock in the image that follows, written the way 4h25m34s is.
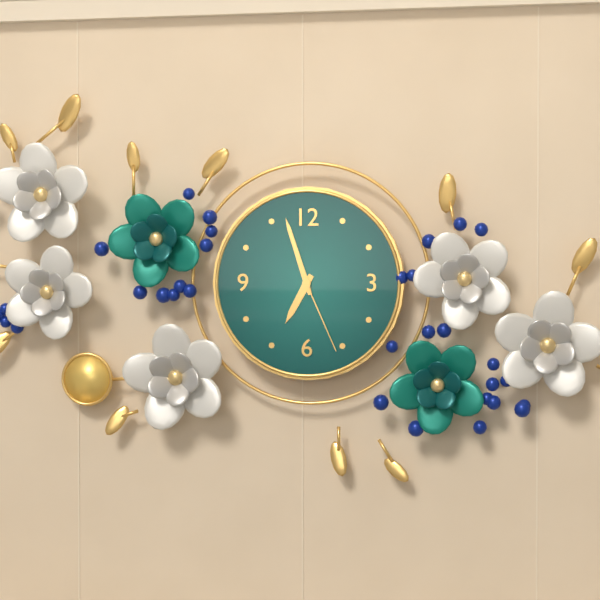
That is 6h57m26s
